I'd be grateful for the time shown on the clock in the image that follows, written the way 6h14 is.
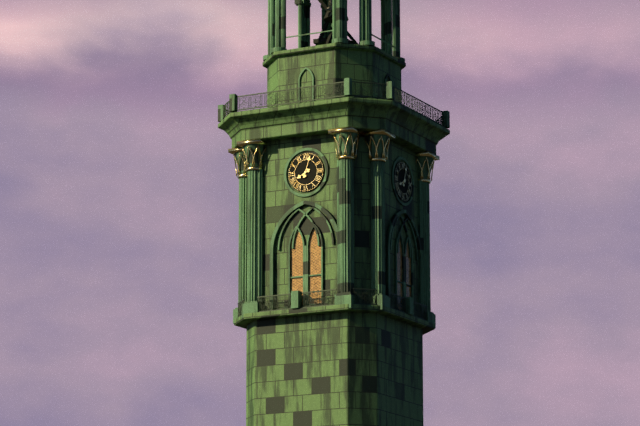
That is 8h03
